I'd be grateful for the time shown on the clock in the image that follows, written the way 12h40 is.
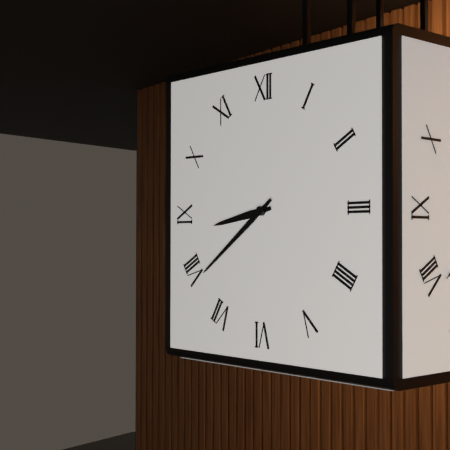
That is 8h39
